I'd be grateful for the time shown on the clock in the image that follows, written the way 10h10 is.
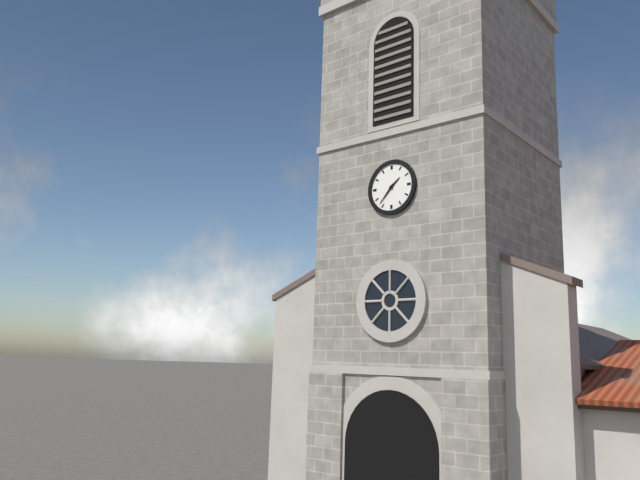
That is 1h37
